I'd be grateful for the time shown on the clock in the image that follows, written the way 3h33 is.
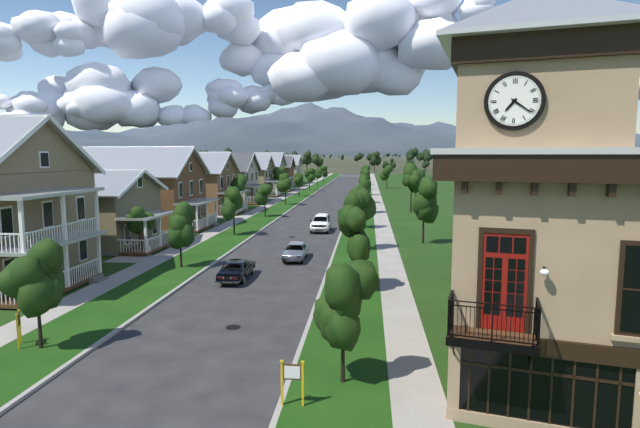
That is 7h21
